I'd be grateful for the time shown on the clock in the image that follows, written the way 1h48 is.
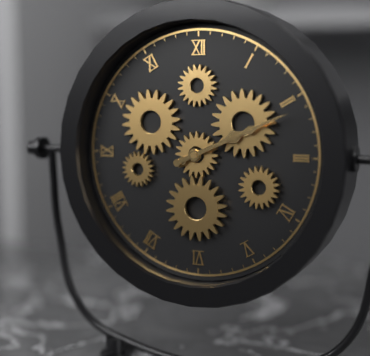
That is 2h11
